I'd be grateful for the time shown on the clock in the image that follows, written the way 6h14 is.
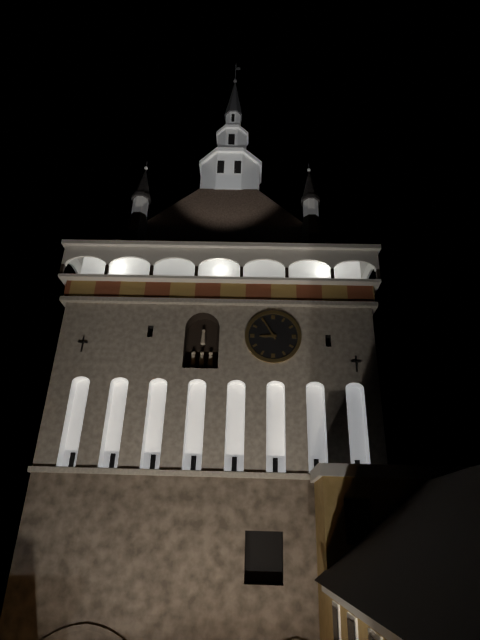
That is 8h55
